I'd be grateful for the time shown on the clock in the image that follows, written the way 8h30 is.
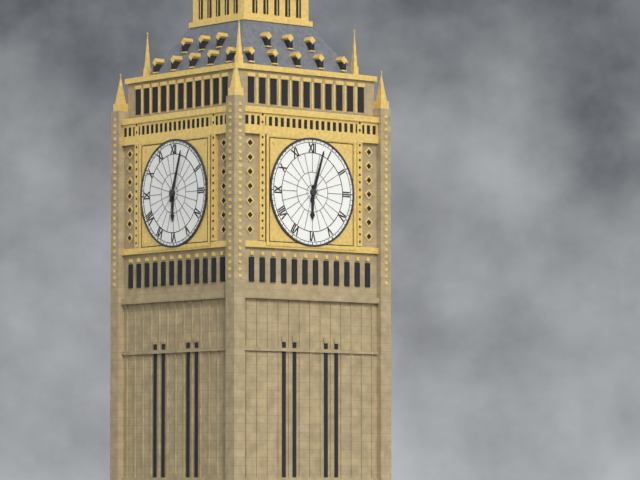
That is 6h03
